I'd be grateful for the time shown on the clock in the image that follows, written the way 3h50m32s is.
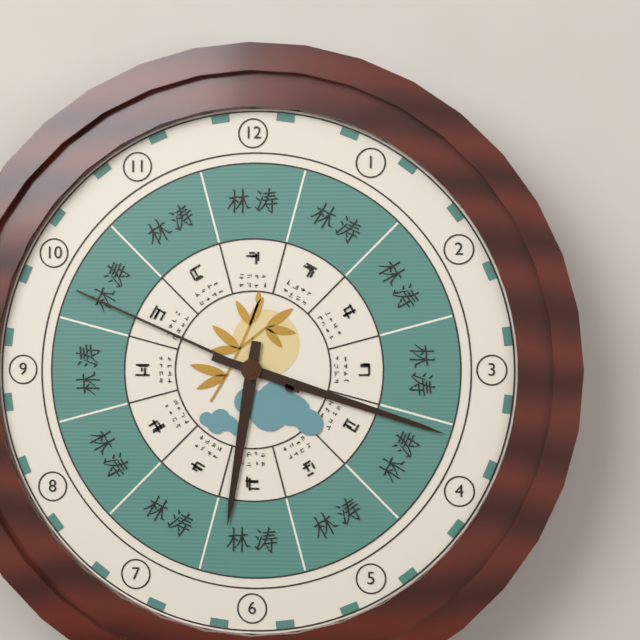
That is 6h18m49s
